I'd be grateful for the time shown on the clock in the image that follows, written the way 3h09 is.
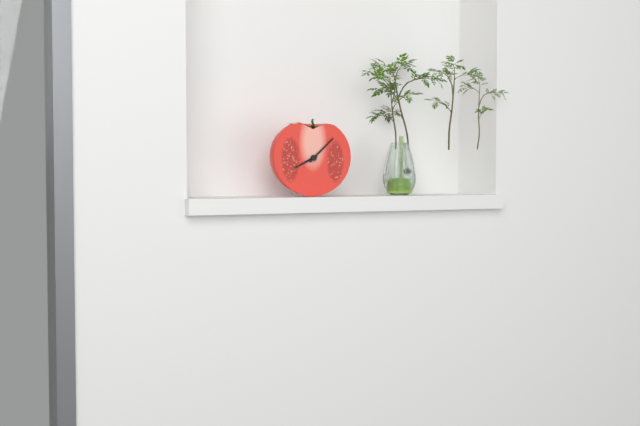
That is 8h08
